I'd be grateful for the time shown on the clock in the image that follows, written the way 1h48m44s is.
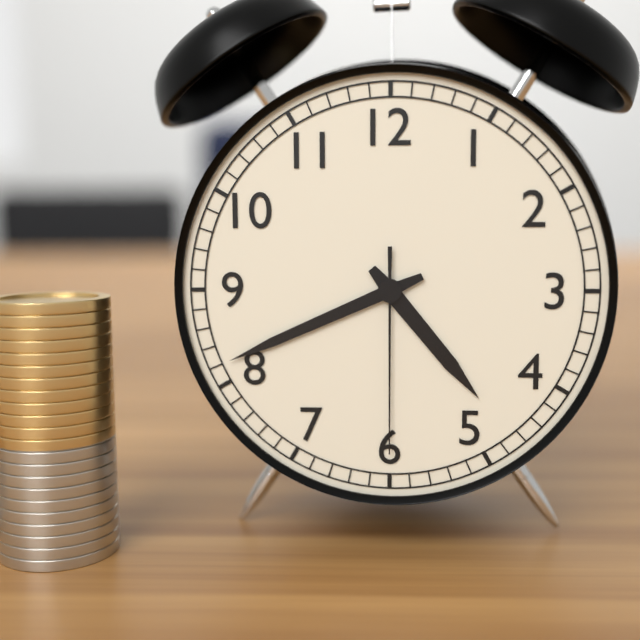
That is 4h41m30s
